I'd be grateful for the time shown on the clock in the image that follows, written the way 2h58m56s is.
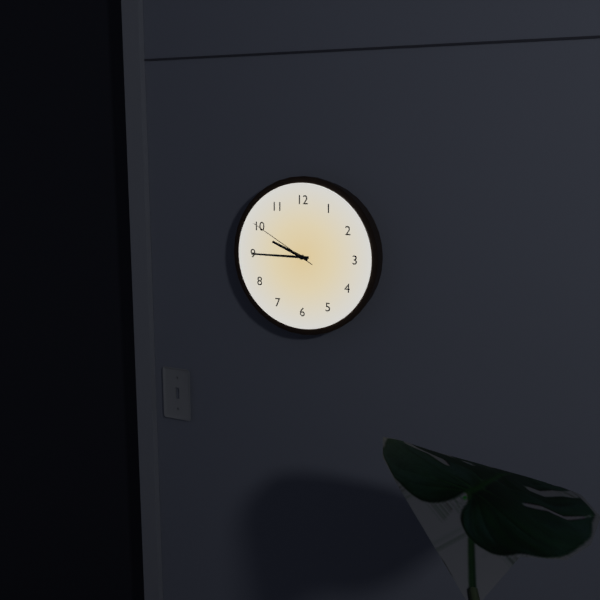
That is 9h45m50s
